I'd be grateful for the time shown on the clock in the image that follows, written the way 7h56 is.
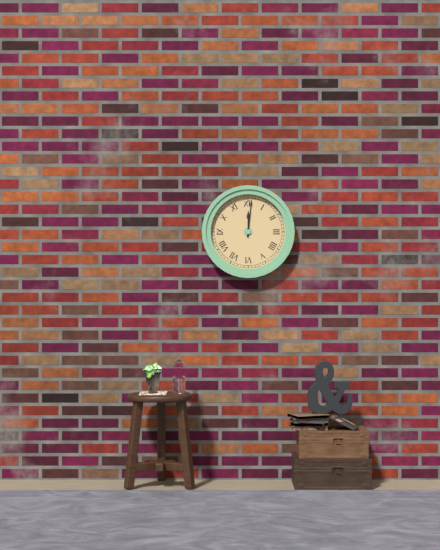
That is 12h01
